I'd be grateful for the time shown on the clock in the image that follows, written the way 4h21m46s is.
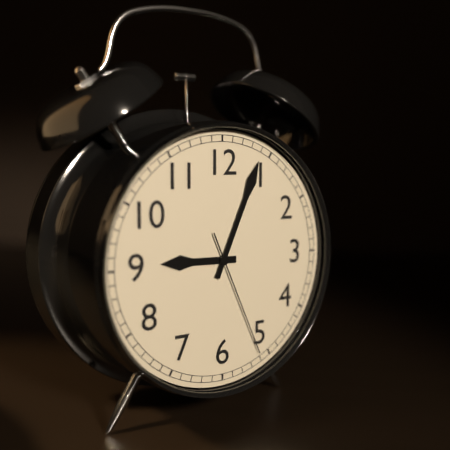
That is 9h04m26s
